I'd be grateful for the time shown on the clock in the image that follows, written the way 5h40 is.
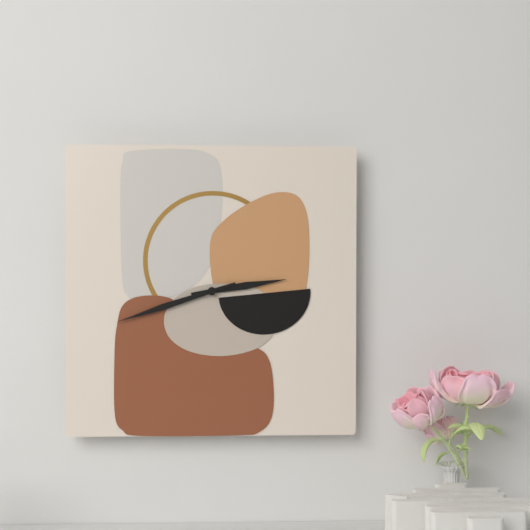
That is 2h42
